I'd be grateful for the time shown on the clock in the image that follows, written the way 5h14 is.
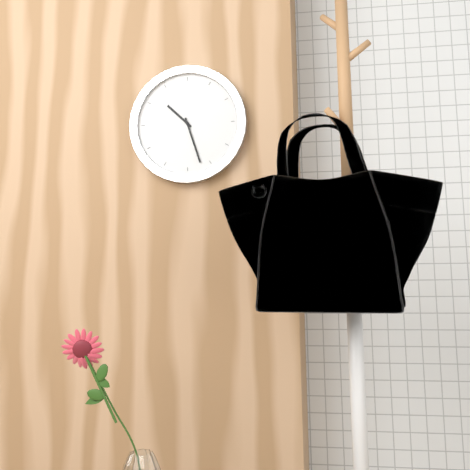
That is 10h27
